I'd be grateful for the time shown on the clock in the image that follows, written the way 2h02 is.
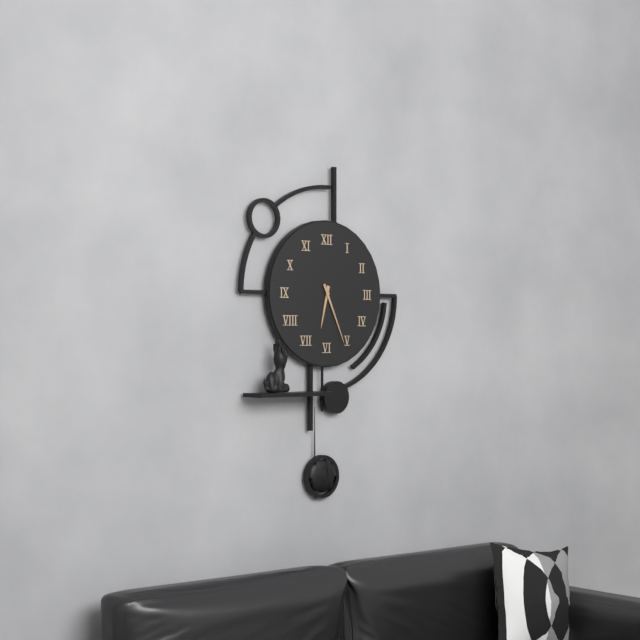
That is 6h26
